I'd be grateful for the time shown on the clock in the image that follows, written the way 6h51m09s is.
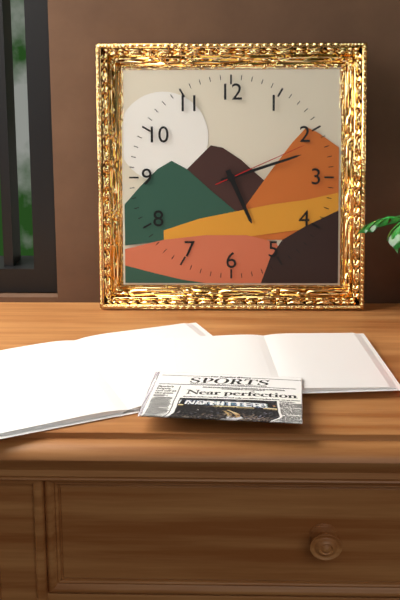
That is 5h12m11s
